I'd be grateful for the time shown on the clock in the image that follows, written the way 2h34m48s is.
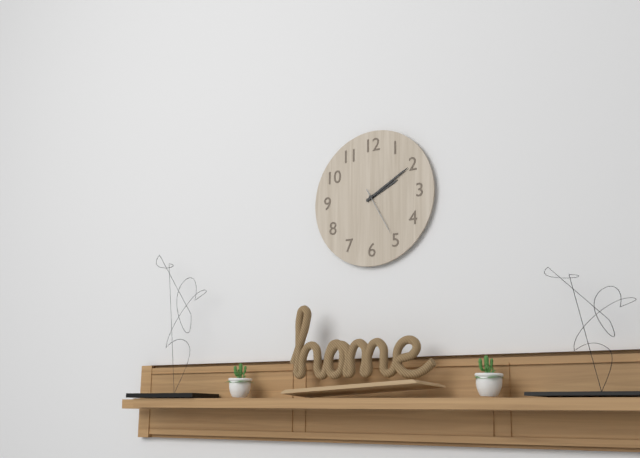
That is 2h10m25s
